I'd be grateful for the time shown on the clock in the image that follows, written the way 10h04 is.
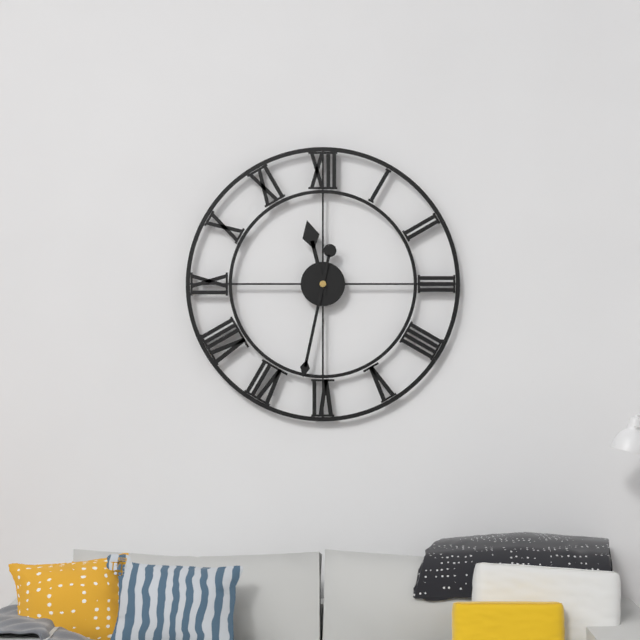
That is 11h32
